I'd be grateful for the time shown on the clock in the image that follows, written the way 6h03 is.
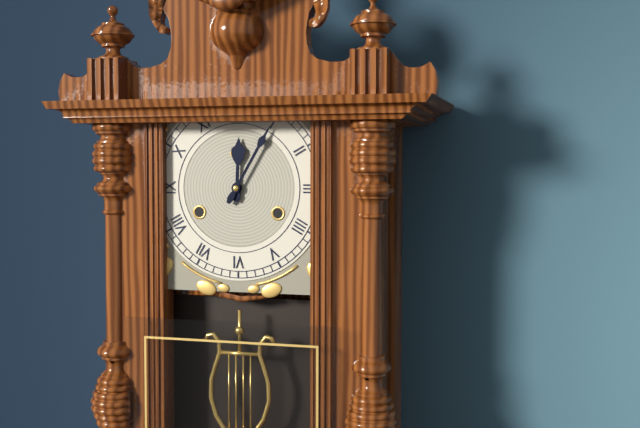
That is 12h05
